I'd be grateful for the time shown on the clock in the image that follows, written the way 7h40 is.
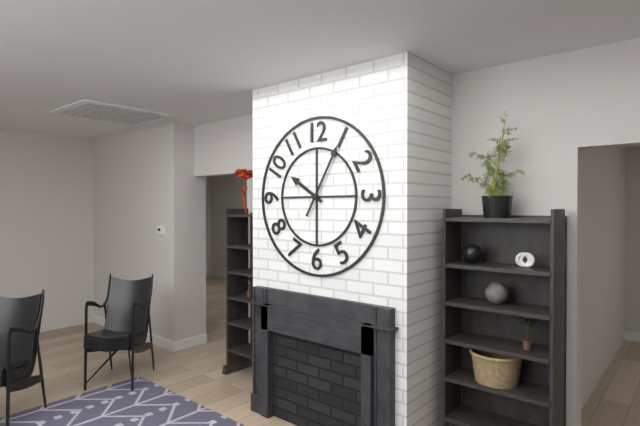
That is 10h05
